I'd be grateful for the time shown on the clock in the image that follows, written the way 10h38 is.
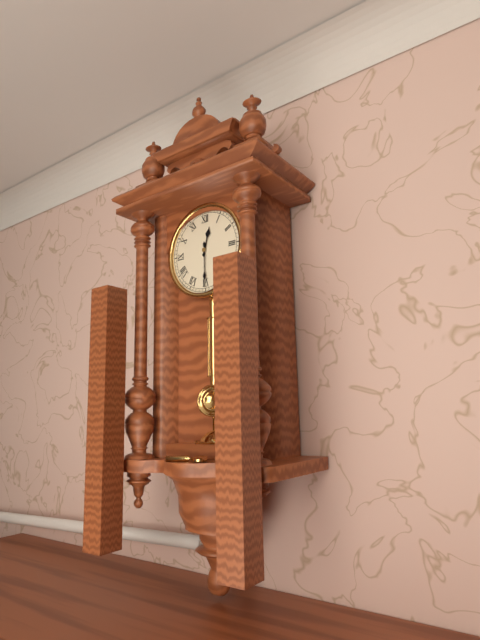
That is 12h30
